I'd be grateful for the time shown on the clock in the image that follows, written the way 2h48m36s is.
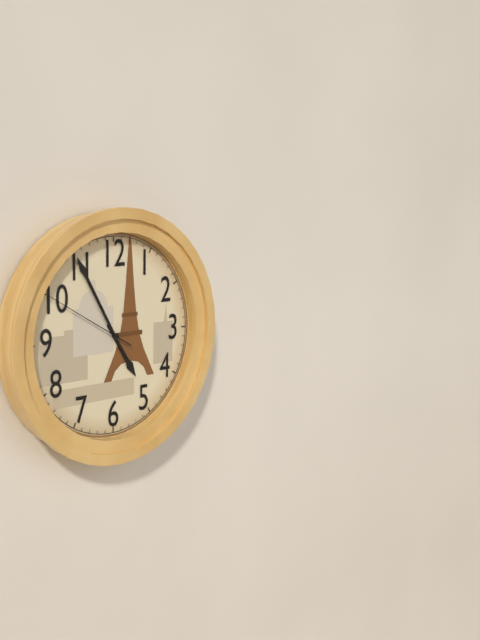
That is 4h55m50s
